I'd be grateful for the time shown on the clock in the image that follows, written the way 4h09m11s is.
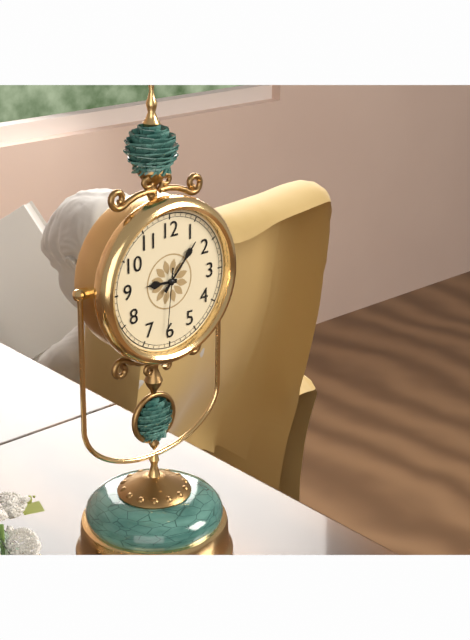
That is 9h07m31s
